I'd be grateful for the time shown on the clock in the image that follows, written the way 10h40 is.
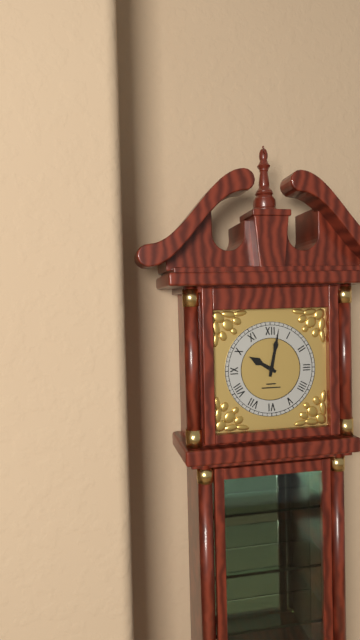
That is 10h02
